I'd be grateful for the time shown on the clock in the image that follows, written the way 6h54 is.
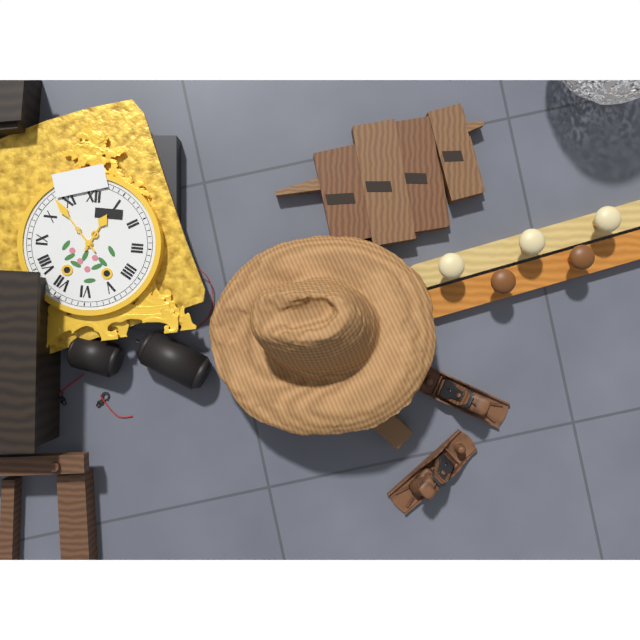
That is 12h53
